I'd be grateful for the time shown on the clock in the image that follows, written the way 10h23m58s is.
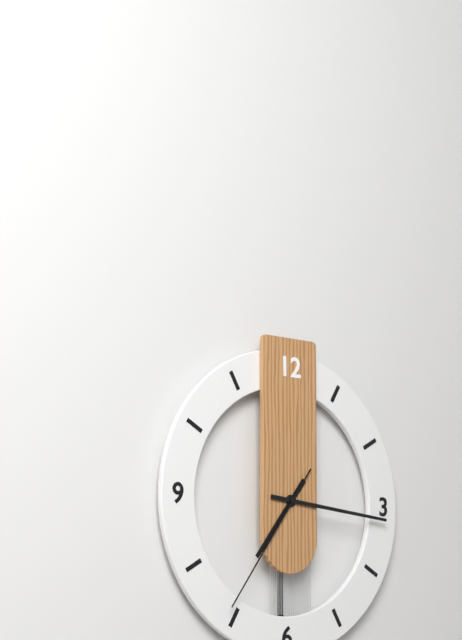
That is 7h16m36s
